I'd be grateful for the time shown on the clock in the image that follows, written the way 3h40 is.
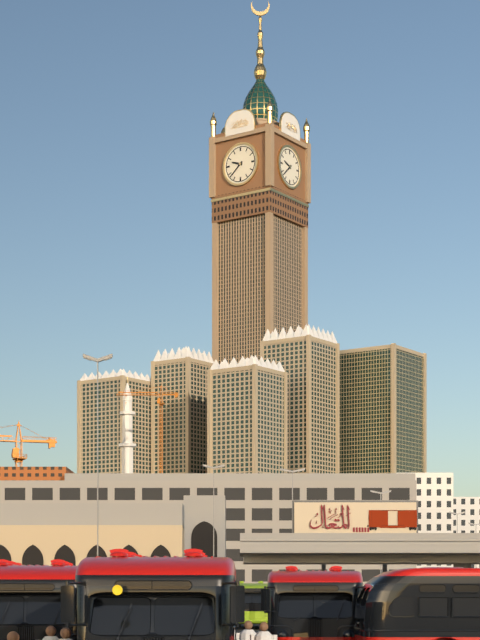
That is 9h38
